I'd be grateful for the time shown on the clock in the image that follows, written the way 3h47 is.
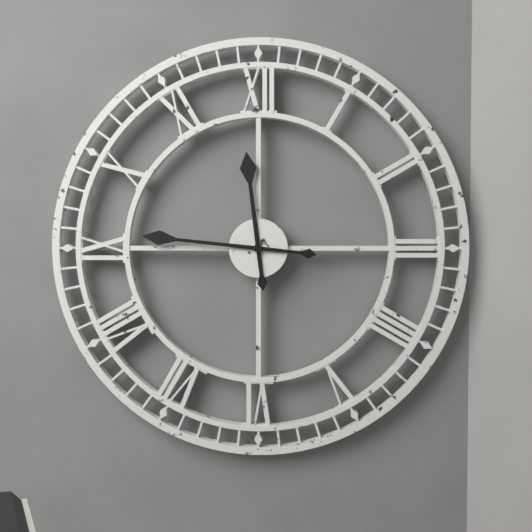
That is 11h46
